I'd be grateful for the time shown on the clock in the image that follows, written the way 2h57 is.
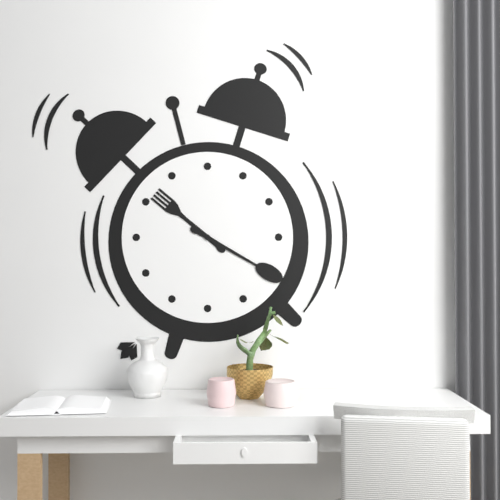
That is 10h20
